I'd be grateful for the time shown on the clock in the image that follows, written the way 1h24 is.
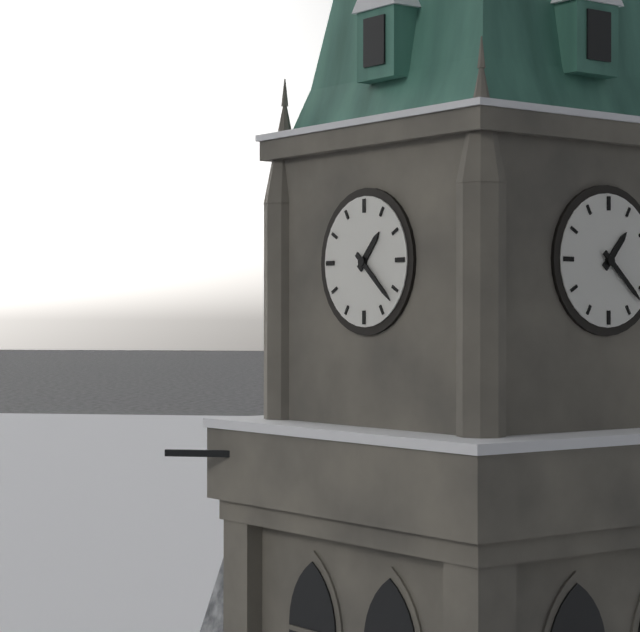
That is 1h22
